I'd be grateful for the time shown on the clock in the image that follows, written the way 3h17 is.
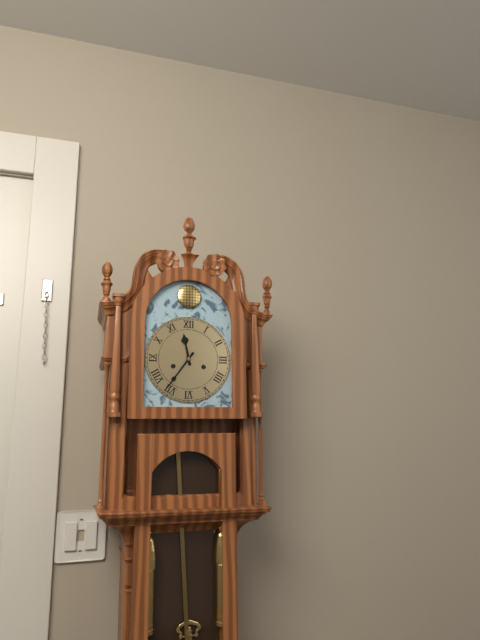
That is 11h36
